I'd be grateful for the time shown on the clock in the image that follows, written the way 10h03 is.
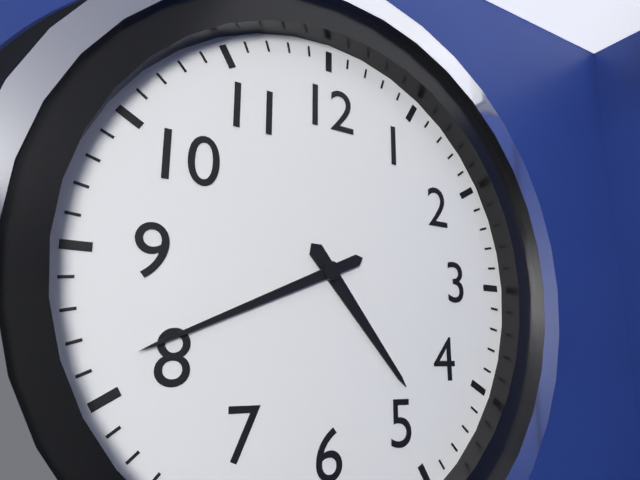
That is 4h41
